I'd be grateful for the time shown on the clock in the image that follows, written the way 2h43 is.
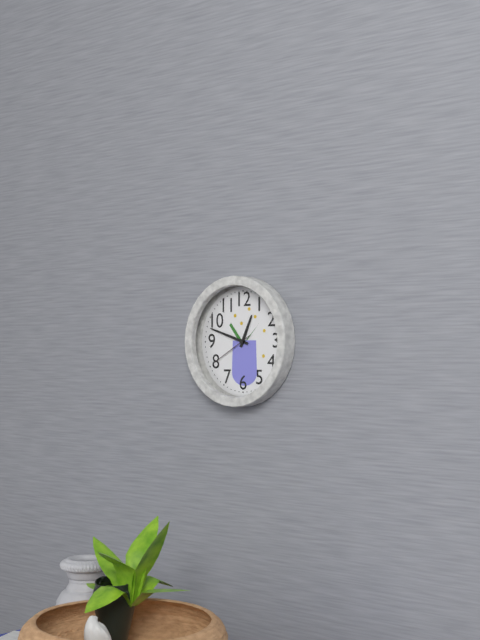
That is 12h48
